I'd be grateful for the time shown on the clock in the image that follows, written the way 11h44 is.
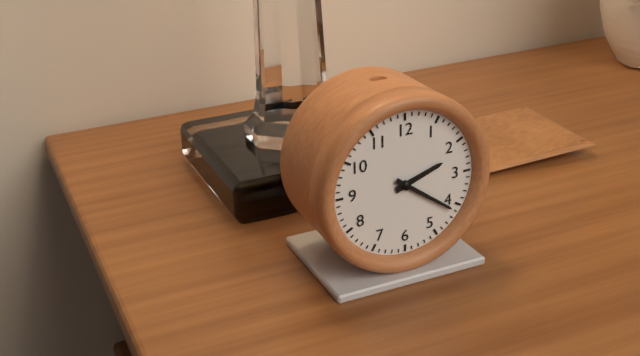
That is 2h21
